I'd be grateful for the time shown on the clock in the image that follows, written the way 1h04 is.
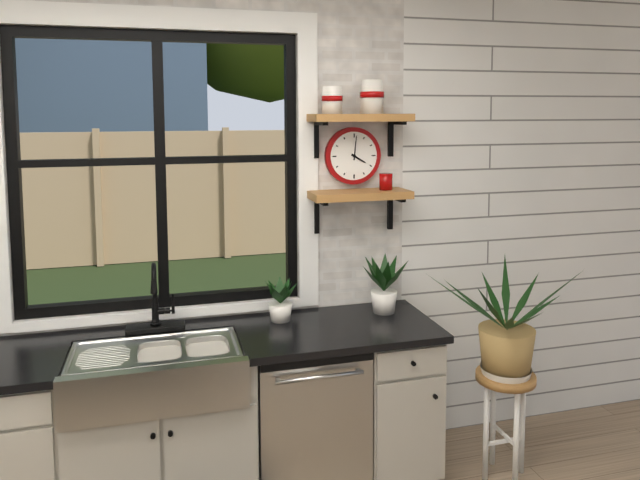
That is 4h01
